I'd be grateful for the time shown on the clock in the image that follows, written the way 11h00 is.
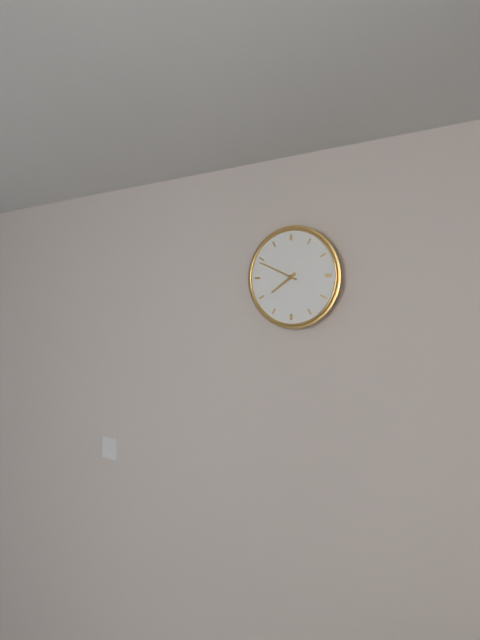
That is 7h49
